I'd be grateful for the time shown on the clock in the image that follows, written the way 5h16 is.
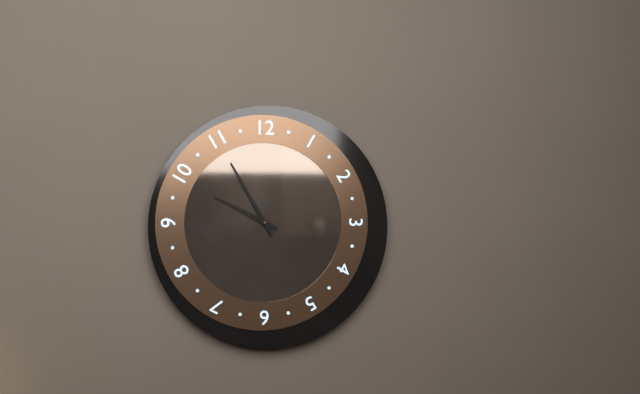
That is 9h55
